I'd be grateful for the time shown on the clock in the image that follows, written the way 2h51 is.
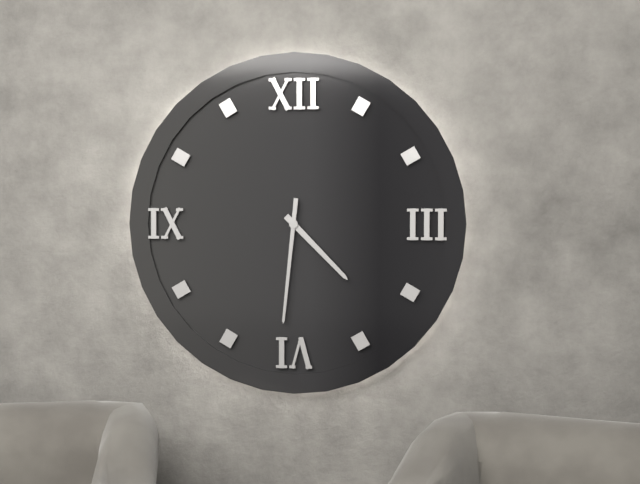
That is 4h31
